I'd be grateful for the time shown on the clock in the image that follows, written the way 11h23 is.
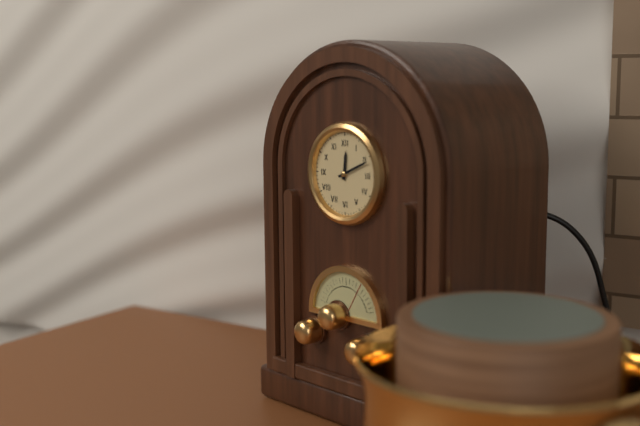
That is 12h11
